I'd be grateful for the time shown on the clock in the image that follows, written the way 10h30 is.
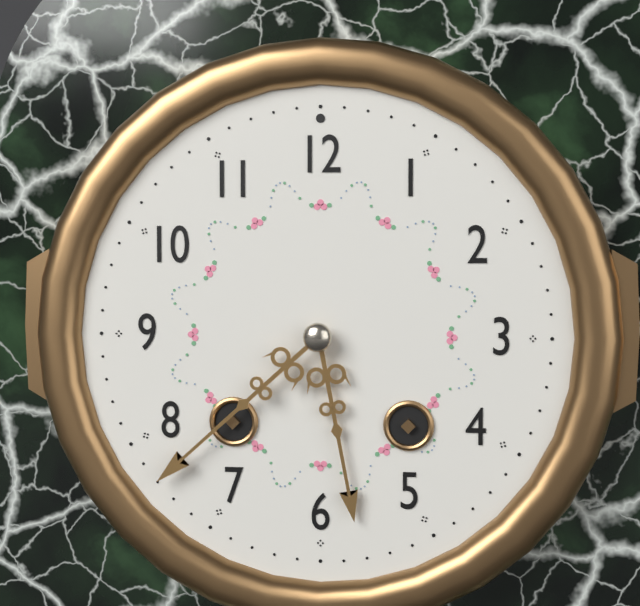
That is 5h38
